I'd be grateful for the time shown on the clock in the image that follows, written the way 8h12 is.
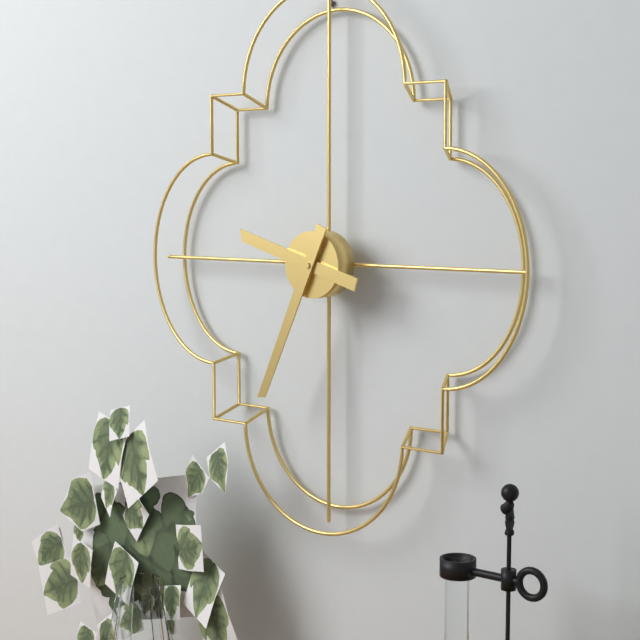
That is 9h34
